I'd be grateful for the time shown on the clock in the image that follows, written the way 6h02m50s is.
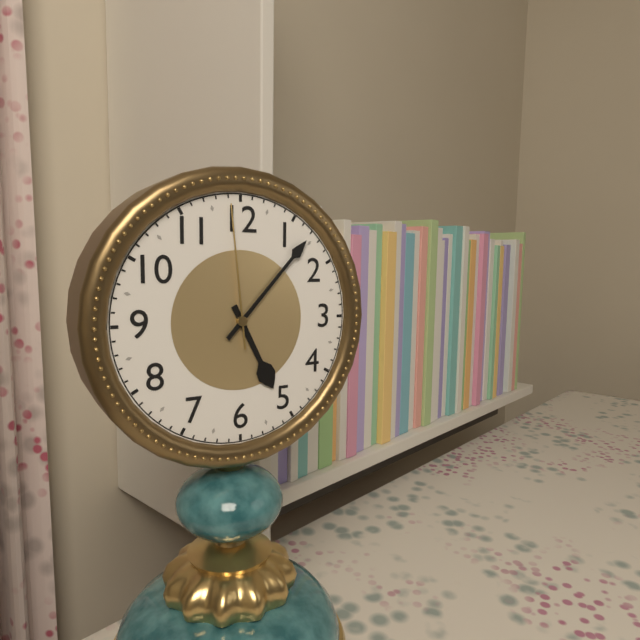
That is 5h07m59s
